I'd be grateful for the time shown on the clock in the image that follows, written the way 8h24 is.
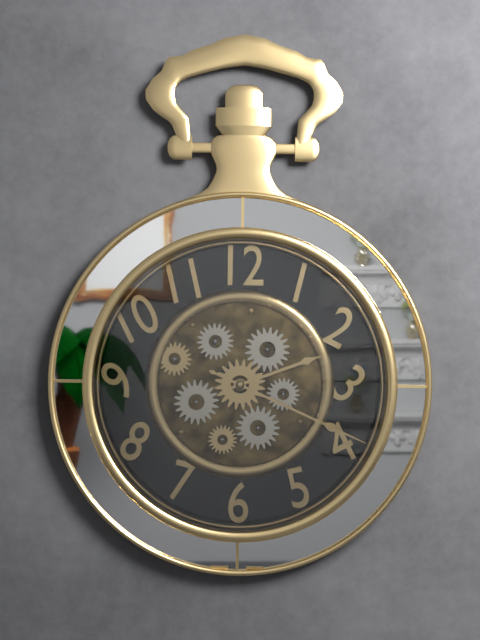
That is 2h19
